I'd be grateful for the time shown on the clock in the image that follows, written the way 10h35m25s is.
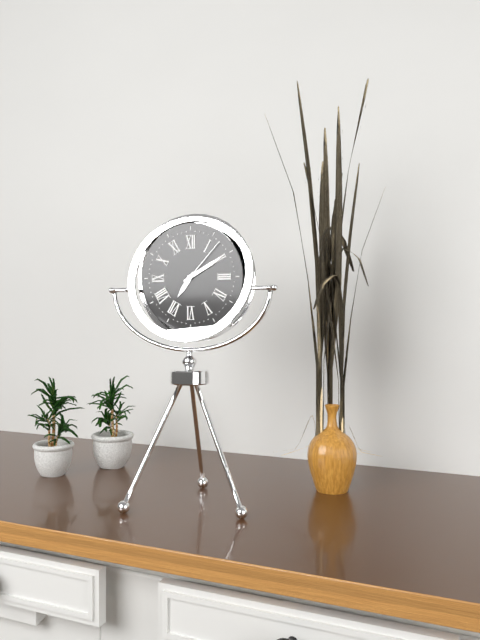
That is 7h10m07s
